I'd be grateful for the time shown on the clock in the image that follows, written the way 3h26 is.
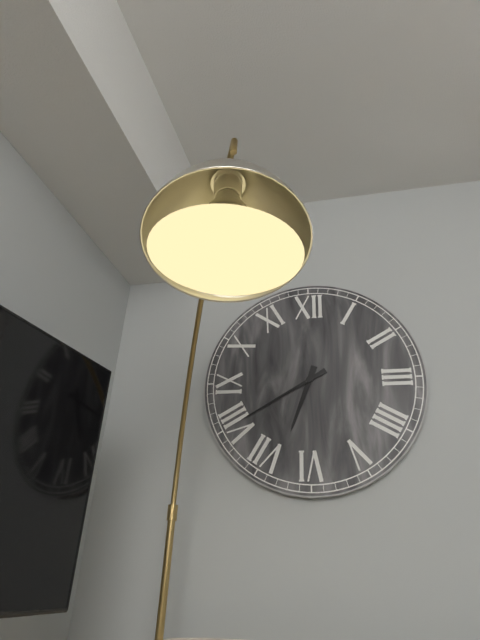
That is 6h40
